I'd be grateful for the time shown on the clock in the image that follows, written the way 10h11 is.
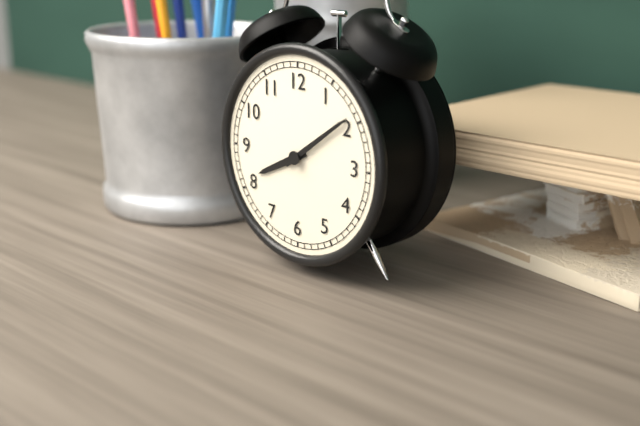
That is 8h09
